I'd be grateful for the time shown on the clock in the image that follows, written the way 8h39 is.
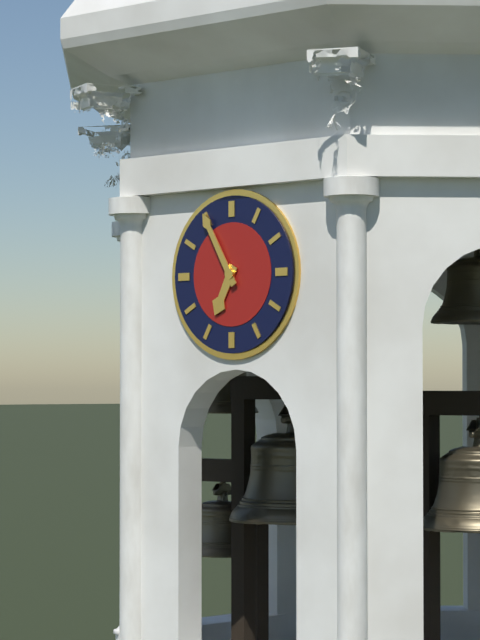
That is 6h55
